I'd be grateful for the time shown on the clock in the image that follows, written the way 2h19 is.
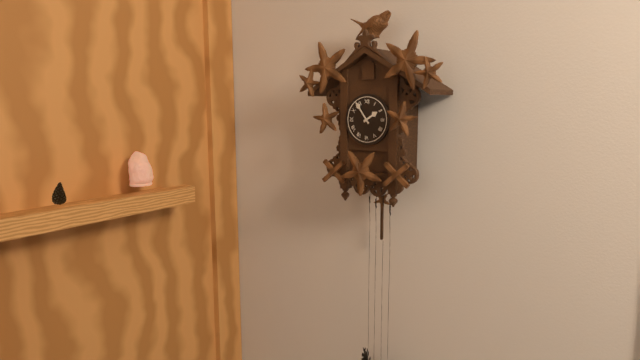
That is 1h54
